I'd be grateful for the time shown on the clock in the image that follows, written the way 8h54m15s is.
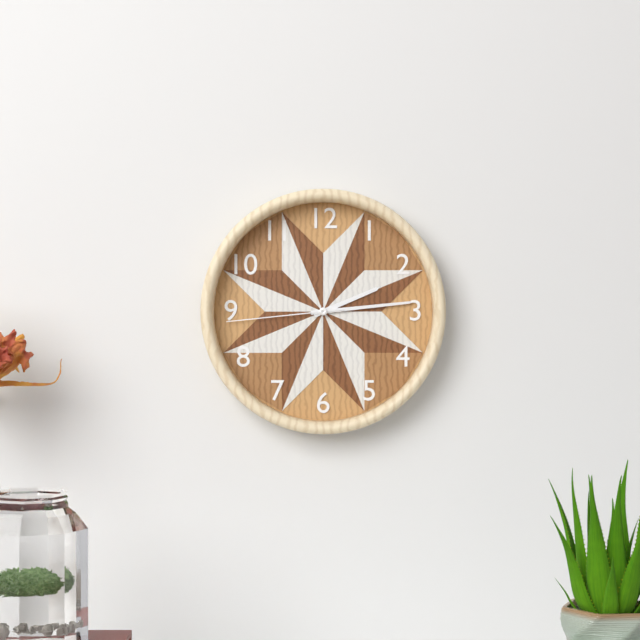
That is 2h14m44s
